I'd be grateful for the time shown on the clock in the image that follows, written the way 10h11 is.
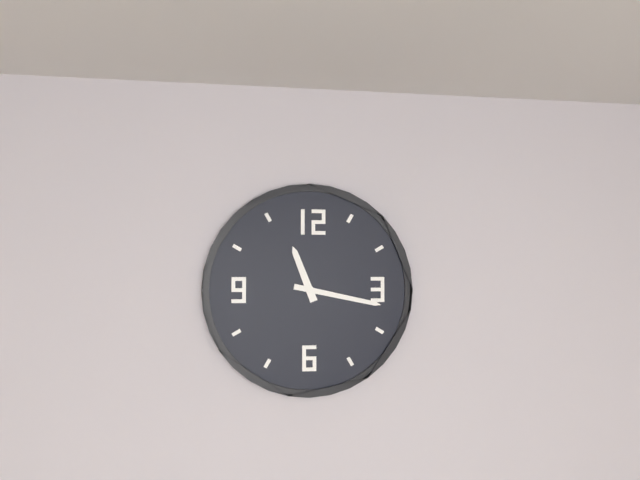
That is 11h17
